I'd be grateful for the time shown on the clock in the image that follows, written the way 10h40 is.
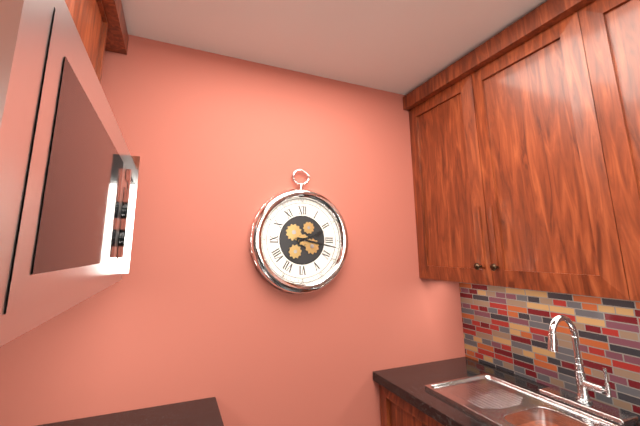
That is 2h17
